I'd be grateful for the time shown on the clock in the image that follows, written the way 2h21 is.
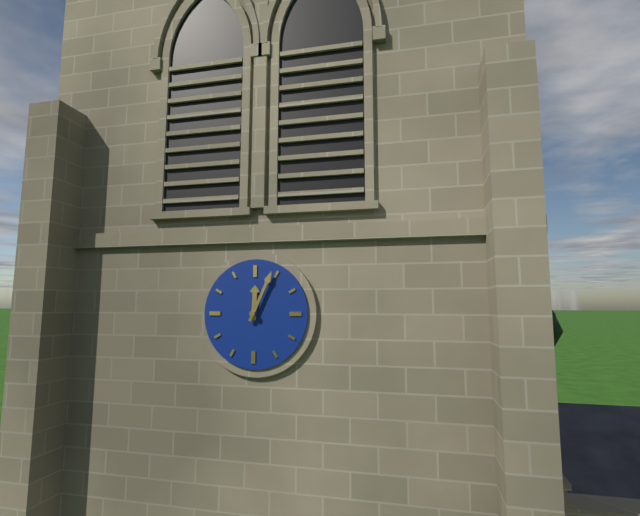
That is 12h04
